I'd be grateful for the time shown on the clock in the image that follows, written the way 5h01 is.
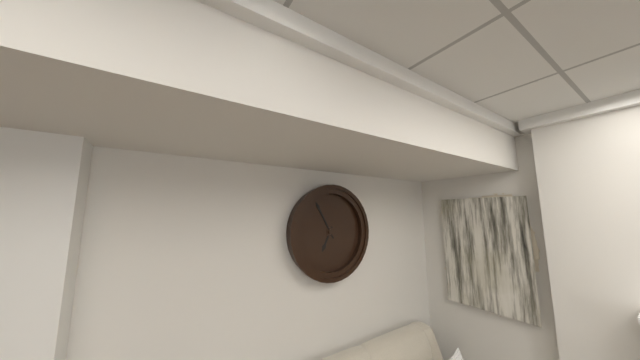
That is 6h55
